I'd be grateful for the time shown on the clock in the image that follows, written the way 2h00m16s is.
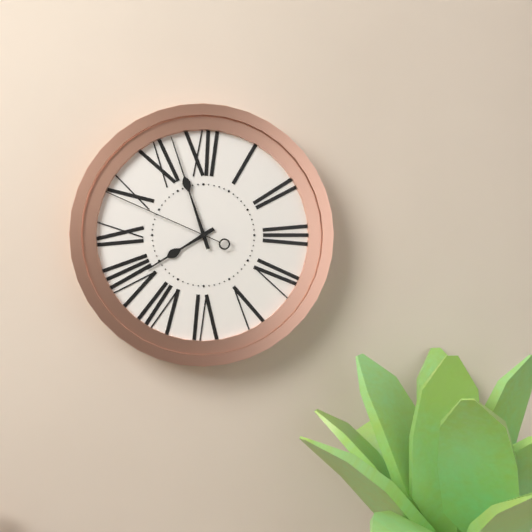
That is 7h57m49s
